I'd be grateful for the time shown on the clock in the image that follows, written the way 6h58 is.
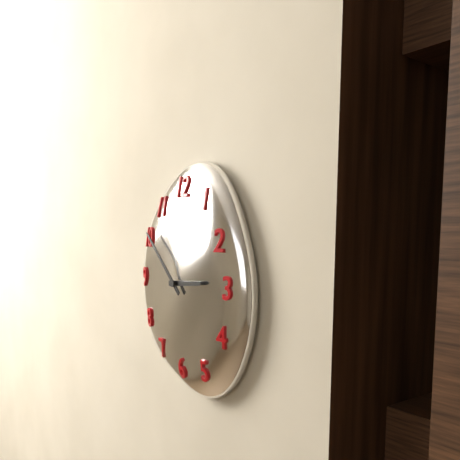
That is 2h52
